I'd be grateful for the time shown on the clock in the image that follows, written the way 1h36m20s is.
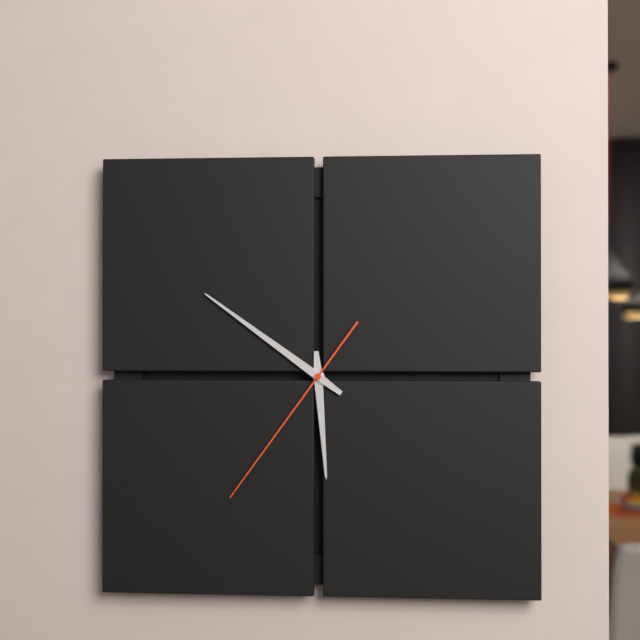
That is 5h51m36s
